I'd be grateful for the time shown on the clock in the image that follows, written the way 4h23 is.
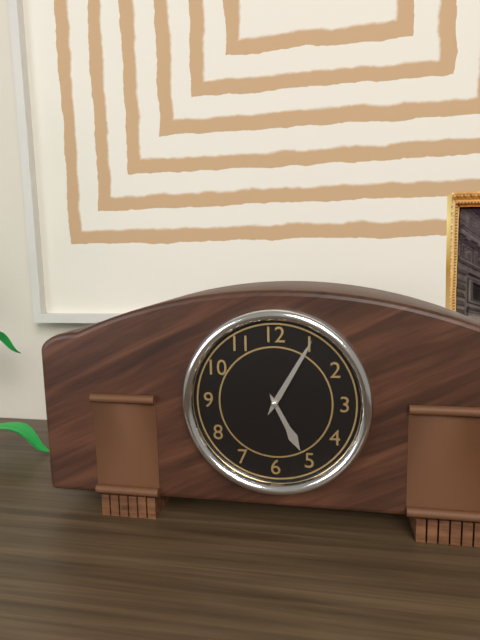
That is 5h05
